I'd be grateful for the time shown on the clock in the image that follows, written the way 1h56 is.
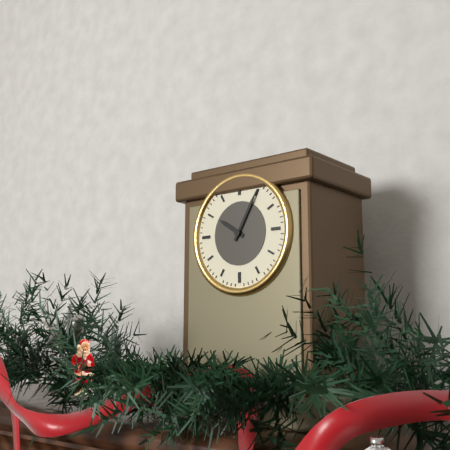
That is 10h05
